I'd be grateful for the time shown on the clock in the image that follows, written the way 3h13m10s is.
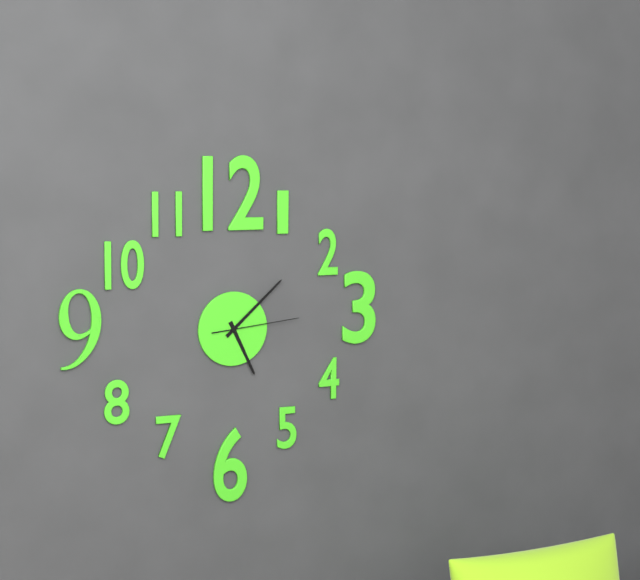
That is 5h08m14s
